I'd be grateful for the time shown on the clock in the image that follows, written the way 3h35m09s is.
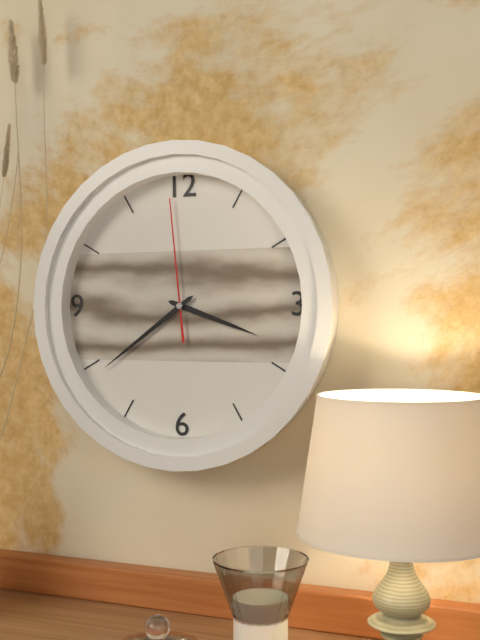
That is 3h39m59s
